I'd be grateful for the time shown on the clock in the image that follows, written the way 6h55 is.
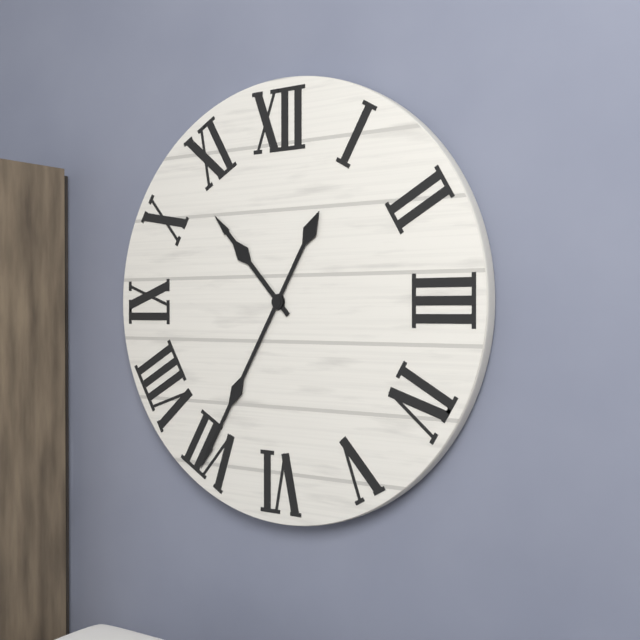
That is 10h35
